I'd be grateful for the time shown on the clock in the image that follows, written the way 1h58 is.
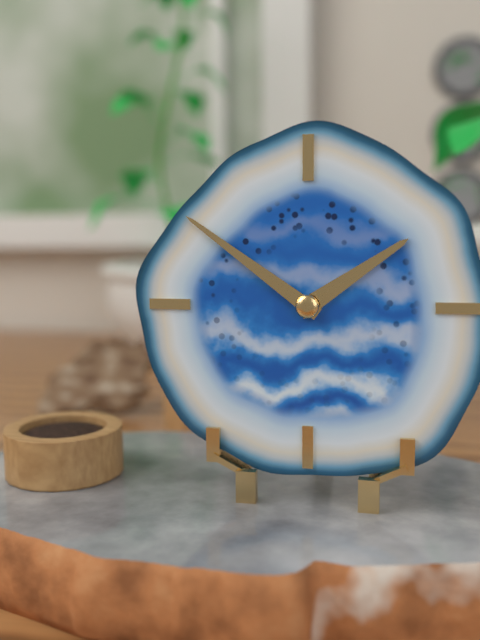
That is 1h51
